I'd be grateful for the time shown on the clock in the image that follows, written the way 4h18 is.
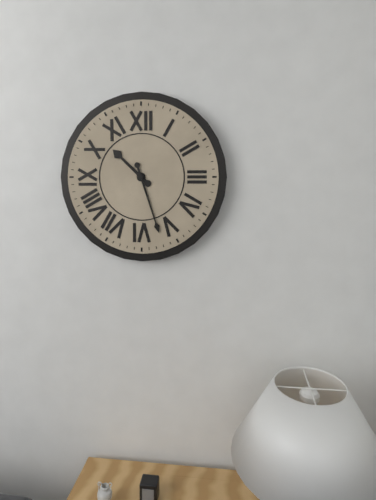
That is 10h27
